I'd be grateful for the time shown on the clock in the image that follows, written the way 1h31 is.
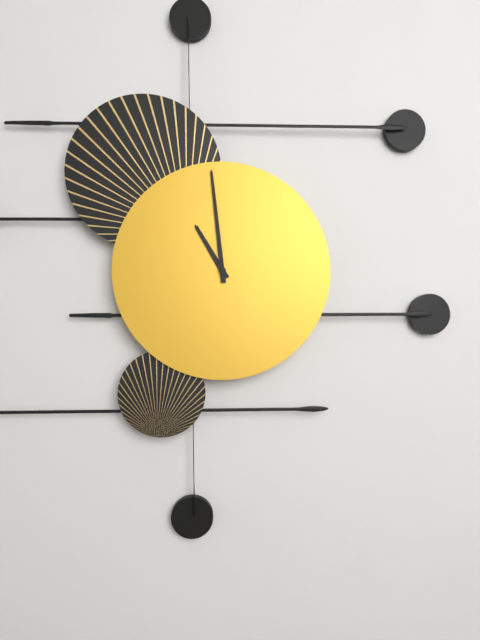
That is 10h59
